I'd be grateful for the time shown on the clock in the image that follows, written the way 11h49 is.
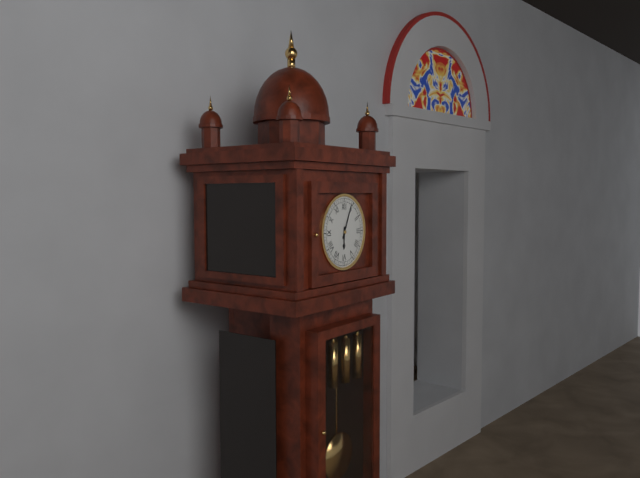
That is 6h04
